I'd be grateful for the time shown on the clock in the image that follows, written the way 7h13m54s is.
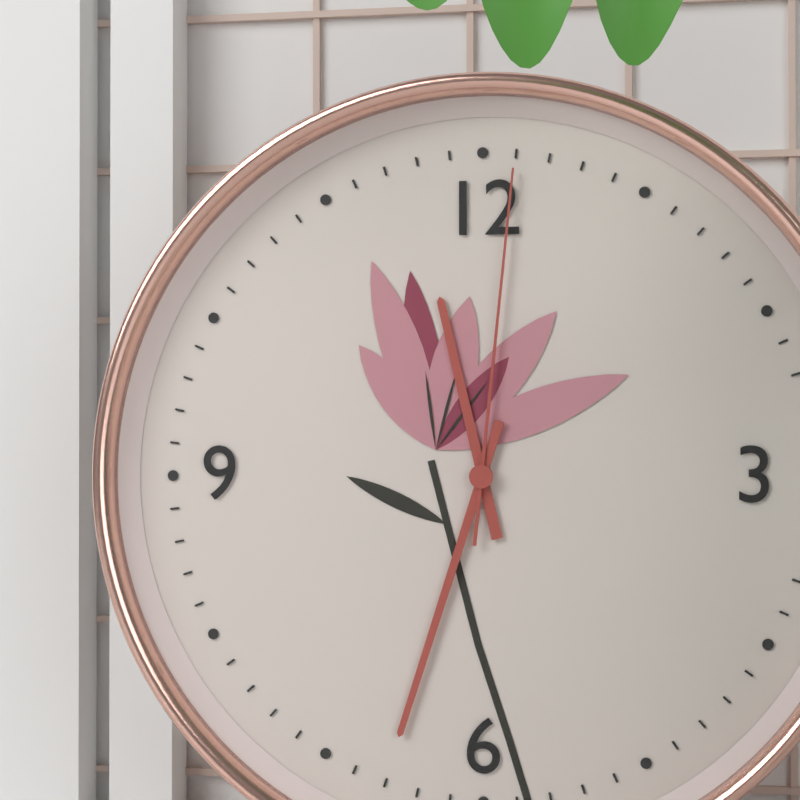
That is 11h33m01s
